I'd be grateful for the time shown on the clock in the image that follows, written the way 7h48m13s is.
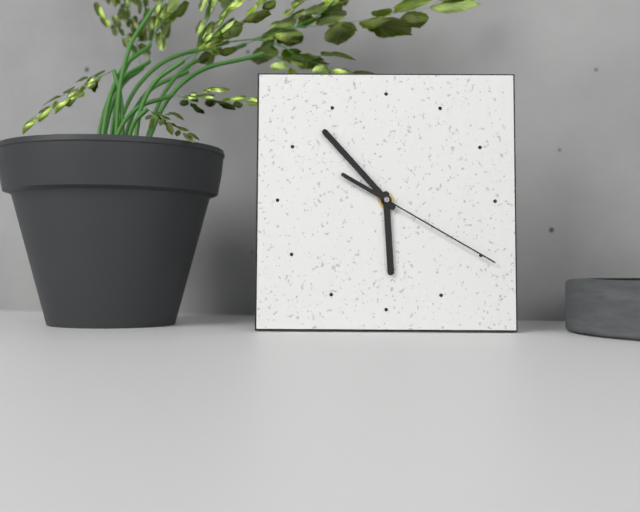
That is 5h53m20s
